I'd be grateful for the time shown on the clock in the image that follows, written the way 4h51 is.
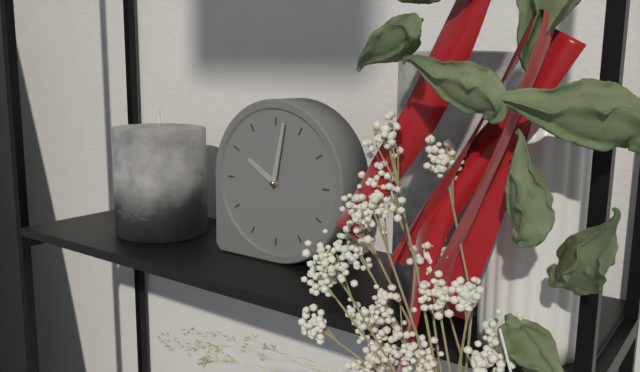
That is 10h02
